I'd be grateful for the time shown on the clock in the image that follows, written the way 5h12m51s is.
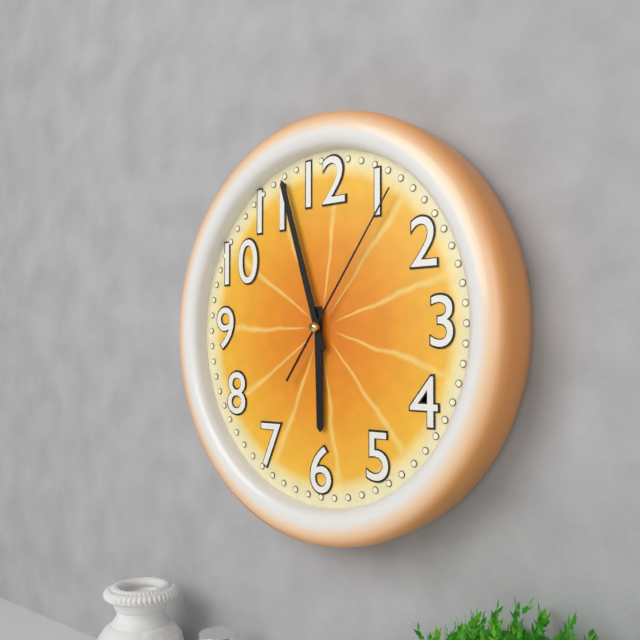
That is 5h57m06s
